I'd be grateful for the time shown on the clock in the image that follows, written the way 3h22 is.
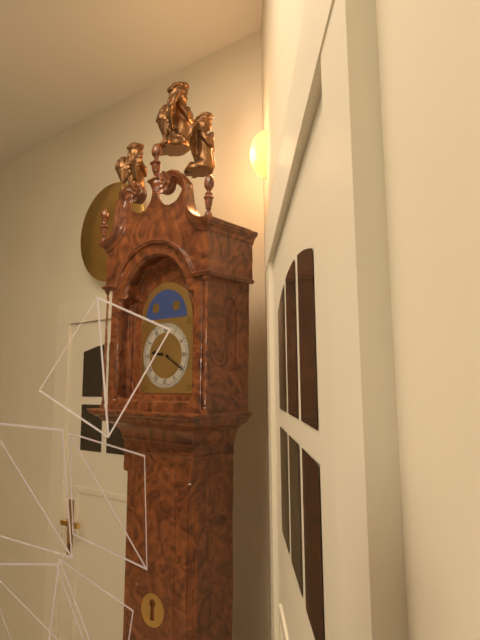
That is 9h20
